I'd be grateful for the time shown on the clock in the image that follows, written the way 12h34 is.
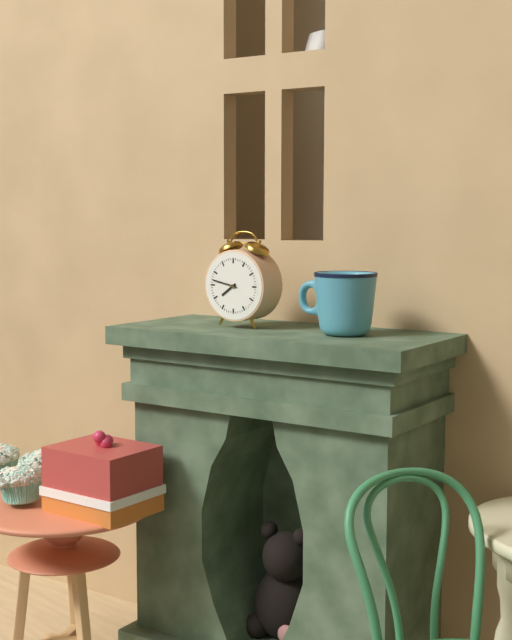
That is 7h47
